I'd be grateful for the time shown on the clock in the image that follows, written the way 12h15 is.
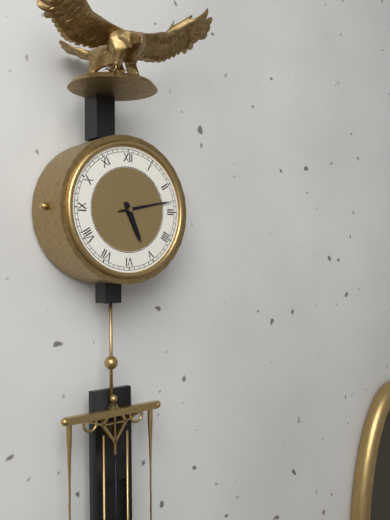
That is 5h13
